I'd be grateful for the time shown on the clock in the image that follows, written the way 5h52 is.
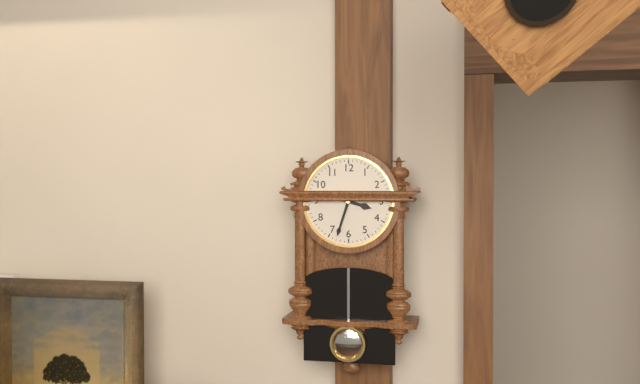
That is 3h33
